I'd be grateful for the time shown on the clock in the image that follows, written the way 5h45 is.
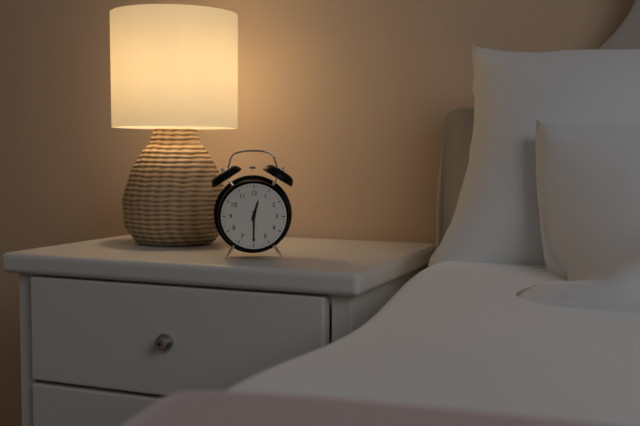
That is 12h30
